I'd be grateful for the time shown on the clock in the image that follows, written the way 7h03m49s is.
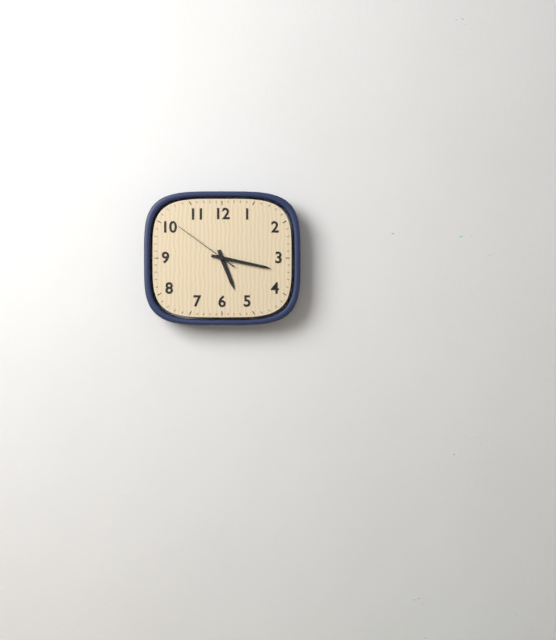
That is 5h17m51s
